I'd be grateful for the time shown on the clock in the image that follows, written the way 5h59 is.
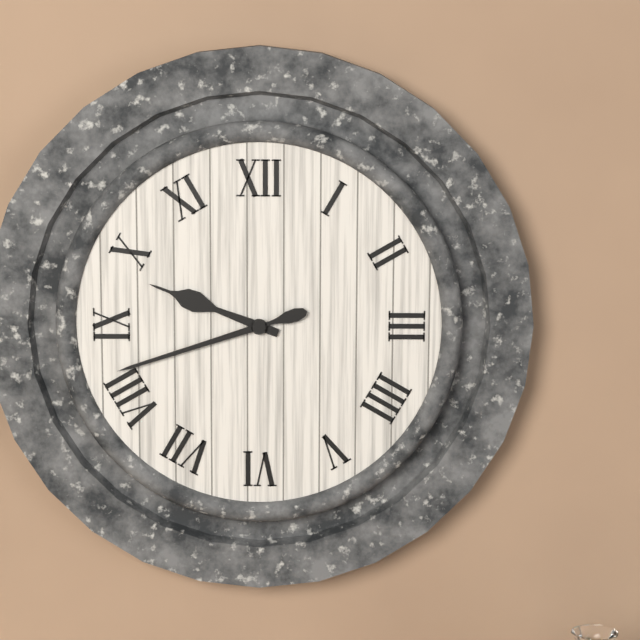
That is 9h42
